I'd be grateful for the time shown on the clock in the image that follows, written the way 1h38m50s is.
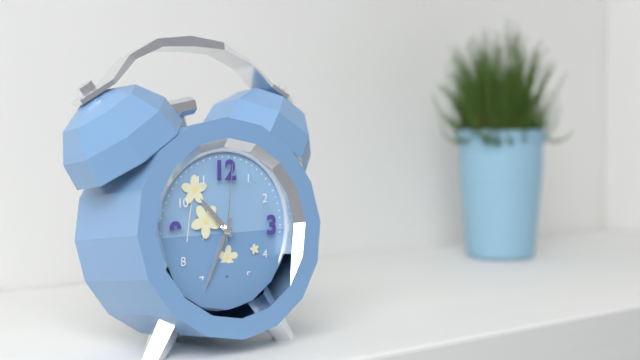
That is 10h34m01s
